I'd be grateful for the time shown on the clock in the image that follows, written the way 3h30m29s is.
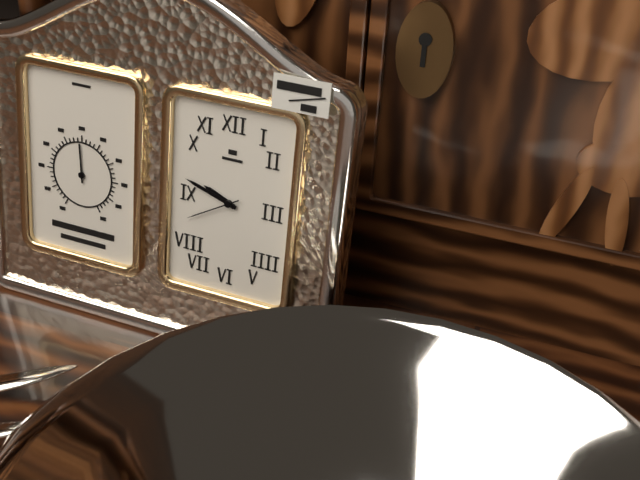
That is 9h48m40s
